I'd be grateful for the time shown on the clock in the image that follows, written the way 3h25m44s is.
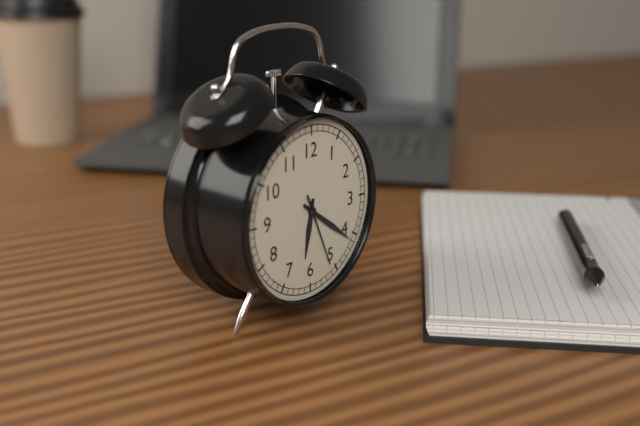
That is 6h21m26s
